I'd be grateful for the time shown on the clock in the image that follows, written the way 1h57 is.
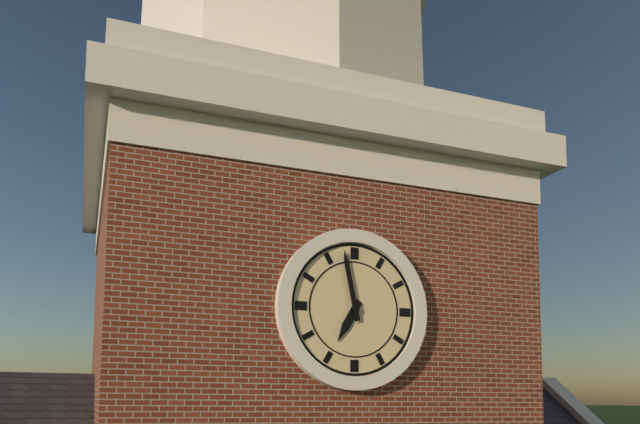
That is 6h58
